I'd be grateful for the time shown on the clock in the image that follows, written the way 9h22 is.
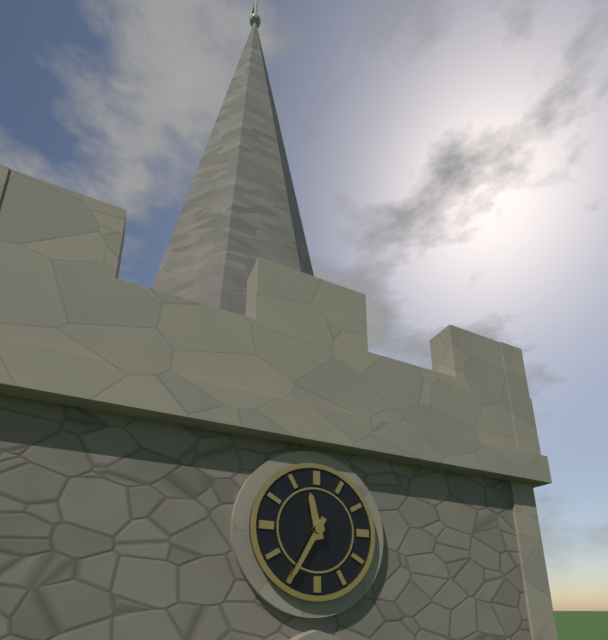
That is 11h35
